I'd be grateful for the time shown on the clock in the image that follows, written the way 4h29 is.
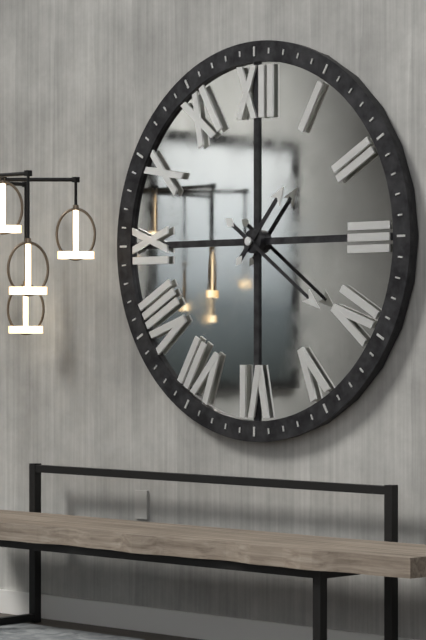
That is 1h21
